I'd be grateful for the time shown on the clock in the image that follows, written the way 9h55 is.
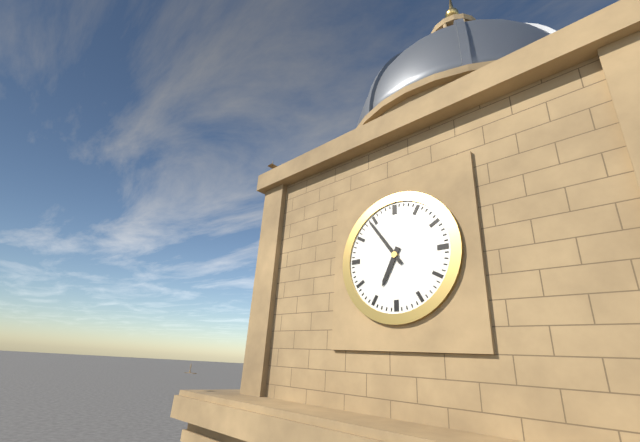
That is 6h54
